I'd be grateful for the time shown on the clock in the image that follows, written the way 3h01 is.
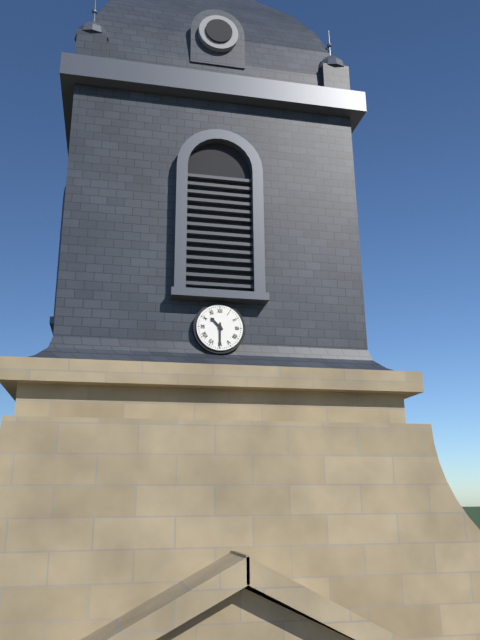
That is 10h30
